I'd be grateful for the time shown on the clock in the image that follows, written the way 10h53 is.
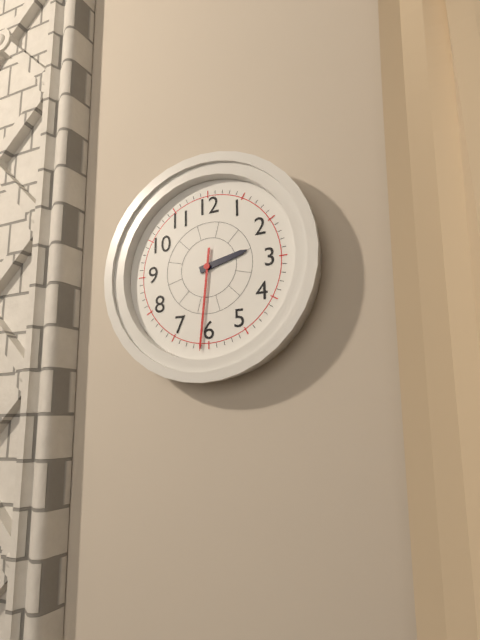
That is 2h31
